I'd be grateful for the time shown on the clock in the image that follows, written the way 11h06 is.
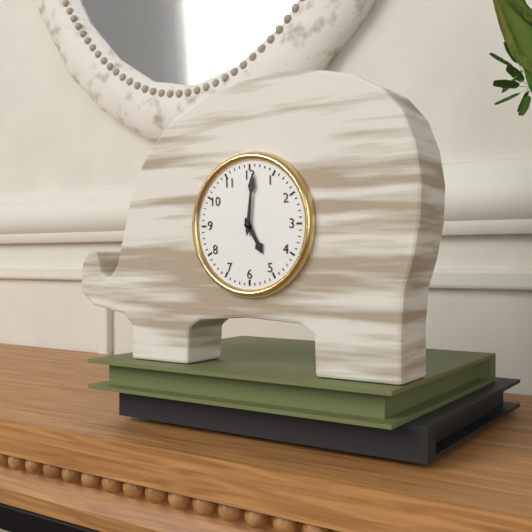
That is 5h01
